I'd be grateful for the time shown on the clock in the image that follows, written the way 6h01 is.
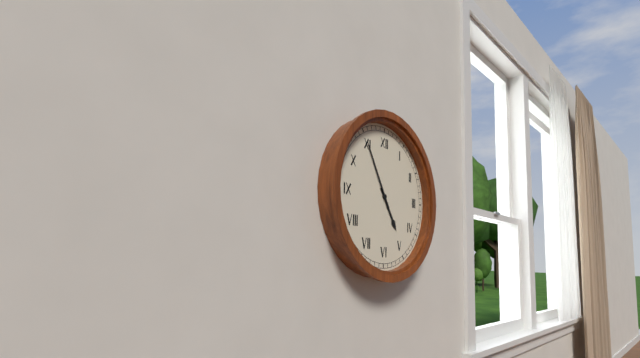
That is 4h55
